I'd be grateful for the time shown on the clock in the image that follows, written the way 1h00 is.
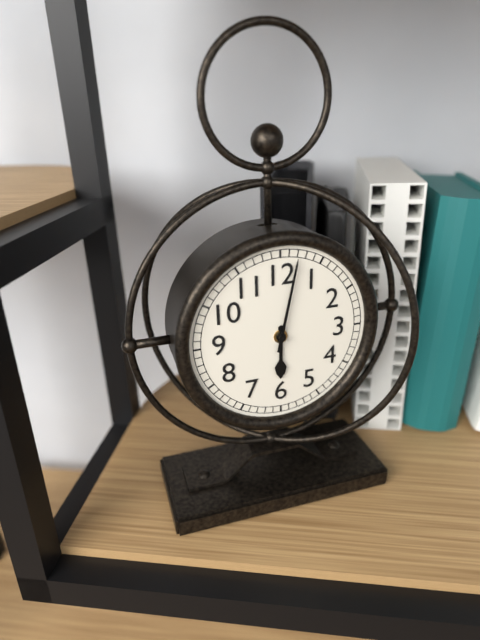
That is 6h02
